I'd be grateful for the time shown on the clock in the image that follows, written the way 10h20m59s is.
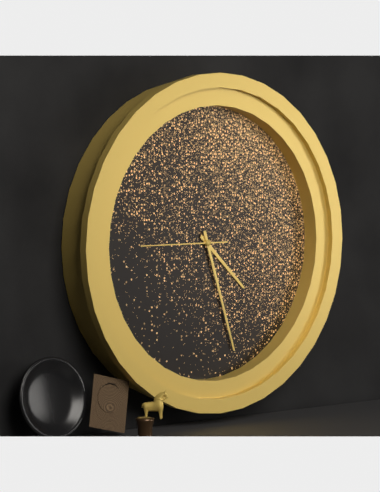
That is 4h27m45s
